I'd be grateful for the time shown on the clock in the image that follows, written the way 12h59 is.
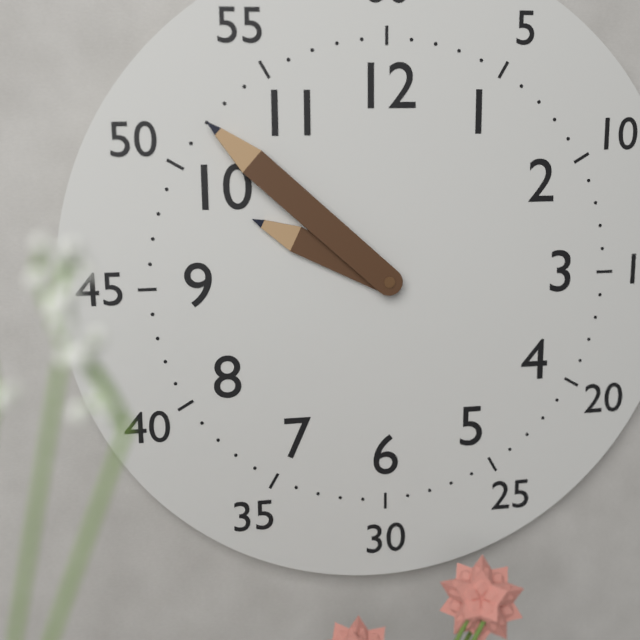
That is 9h52
